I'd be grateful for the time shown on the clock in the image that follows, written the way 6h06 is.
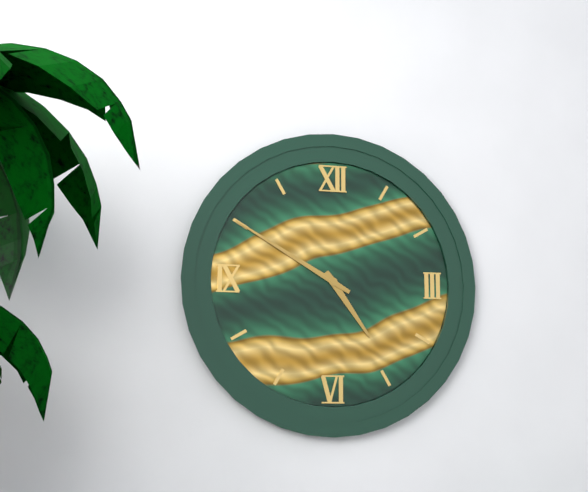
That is 4h50
